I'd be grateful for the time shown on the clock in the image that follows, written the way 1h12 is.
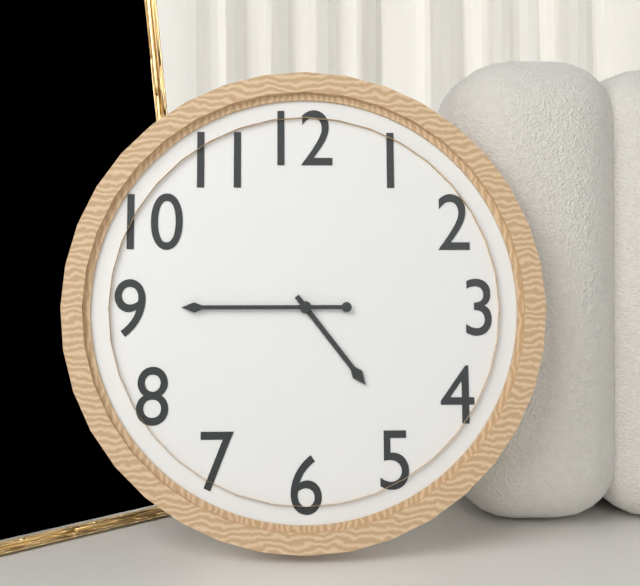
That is 4h45
